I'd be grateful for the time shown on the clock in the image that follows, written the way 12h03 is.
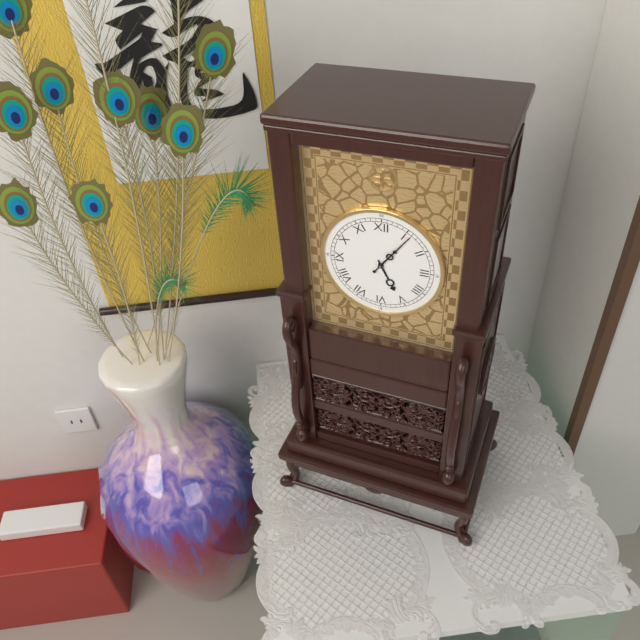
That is 5h06
